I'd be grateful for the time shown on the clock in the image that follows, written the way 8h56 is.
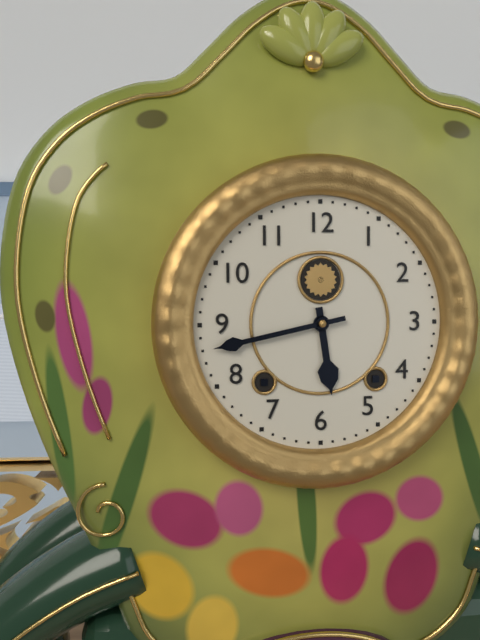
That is 5h43
